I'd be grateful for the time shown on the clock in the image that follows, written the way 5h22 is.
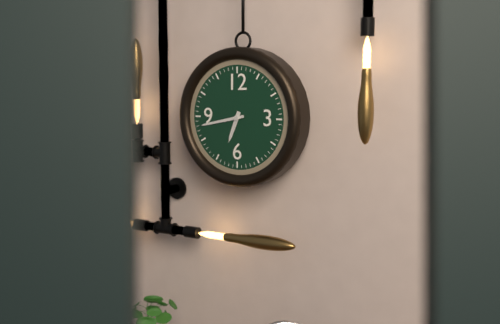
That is 6h43
